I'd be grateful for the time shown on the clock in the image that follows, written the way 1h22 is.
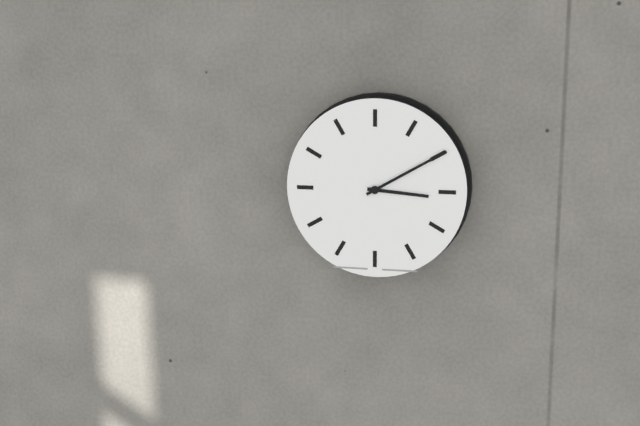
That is 3h10
